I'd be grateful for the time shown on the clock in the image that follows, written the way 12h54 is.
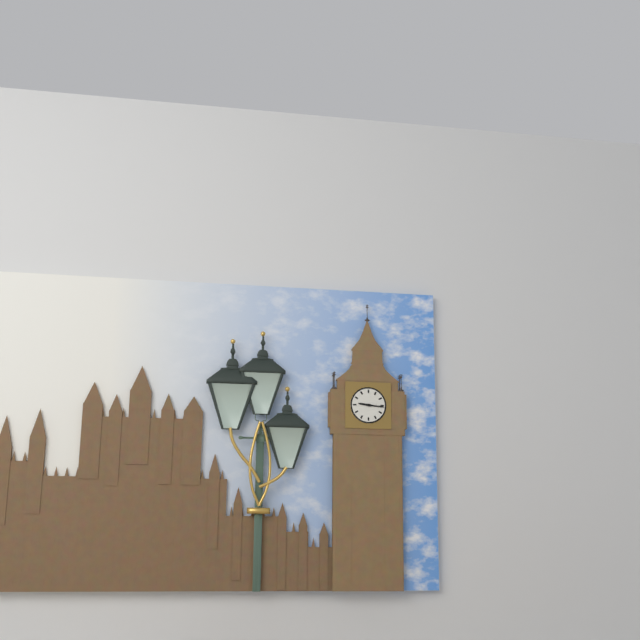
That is 9h16
